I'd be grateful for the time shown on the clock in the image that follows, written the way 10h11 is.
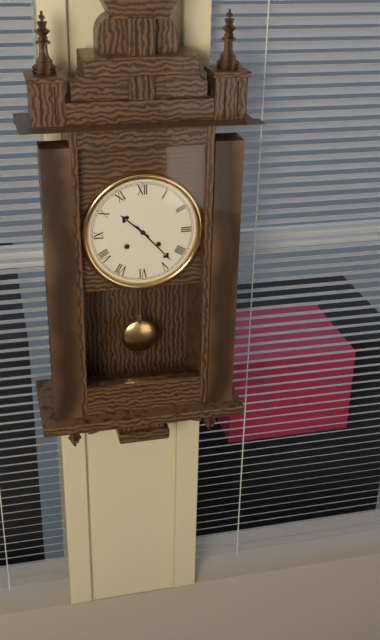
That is 10h23
